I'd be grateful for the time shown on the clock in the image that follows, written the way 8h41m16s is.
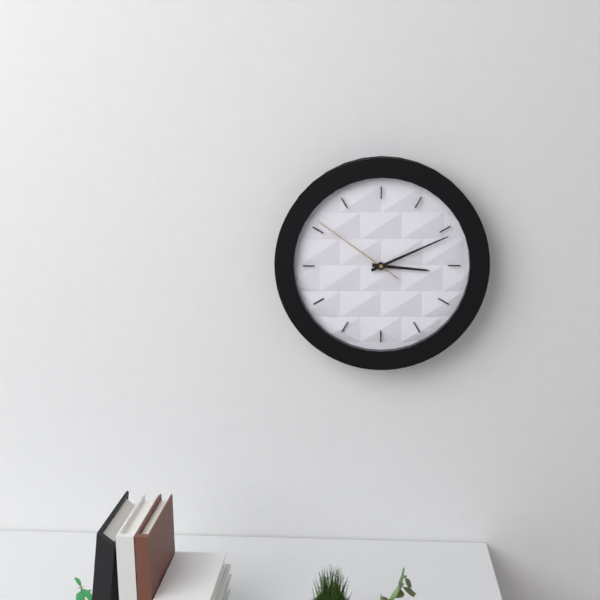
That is 3h11m51s
